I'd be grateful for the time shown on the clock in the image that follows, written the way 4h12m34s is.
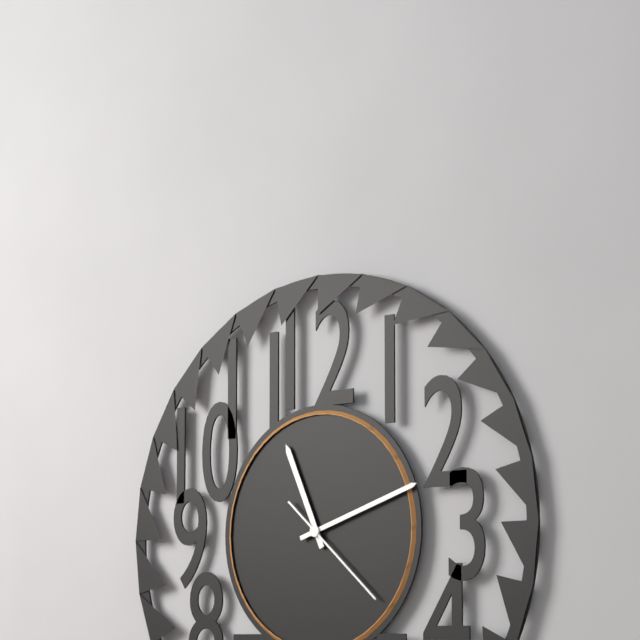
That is 11h12m22s
